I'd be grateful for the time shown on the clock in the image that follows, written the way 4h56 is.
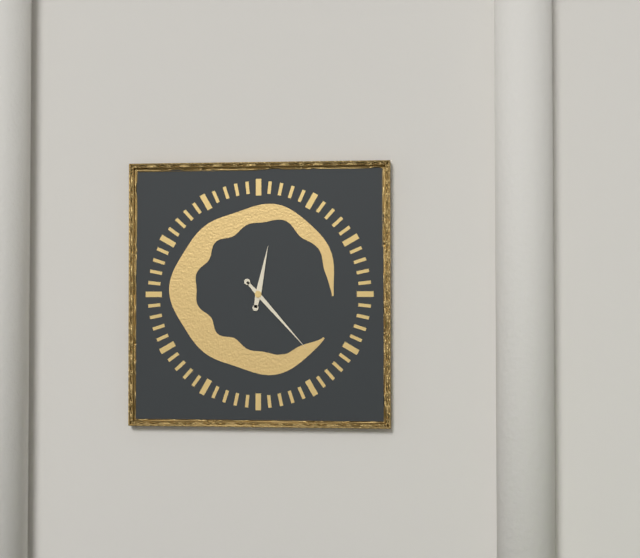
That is 12h23
